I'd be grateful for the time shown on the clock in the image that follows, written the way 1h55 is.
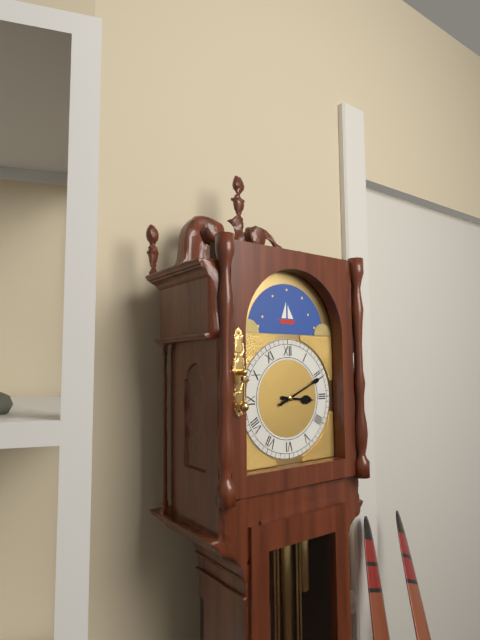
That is 3h11
